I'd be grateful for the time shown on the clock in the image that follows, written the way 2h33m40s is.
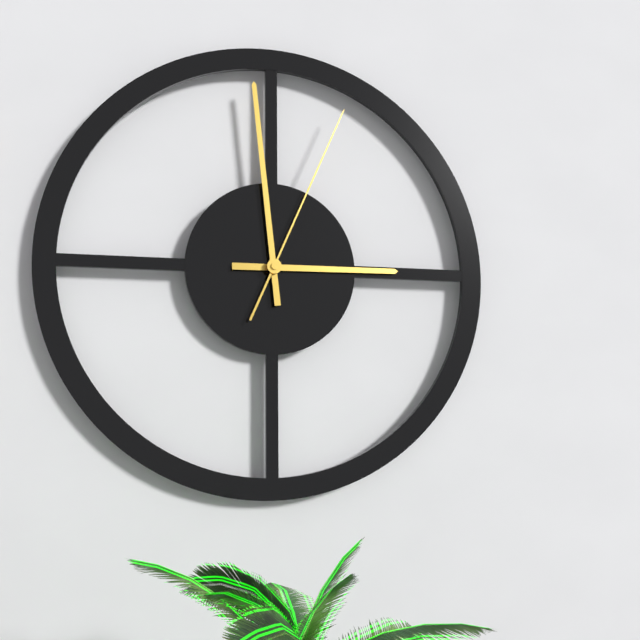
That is 2h59m04s
